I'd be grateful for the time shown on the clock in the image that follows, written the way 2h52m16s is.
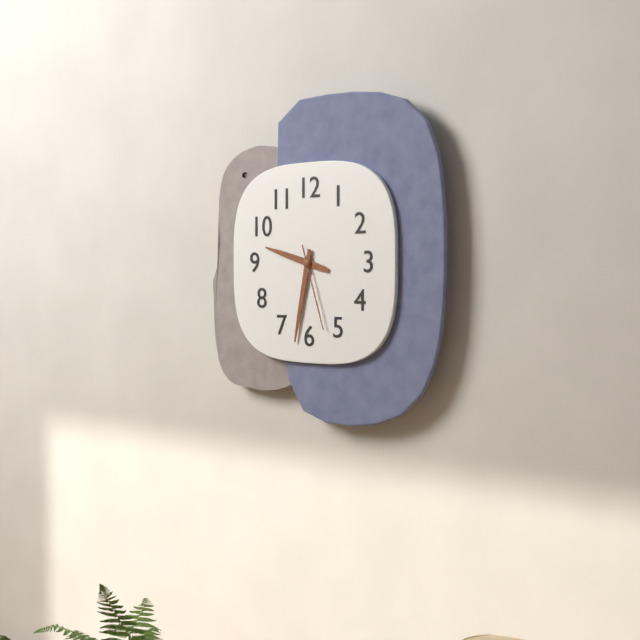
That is 9h32m27s
